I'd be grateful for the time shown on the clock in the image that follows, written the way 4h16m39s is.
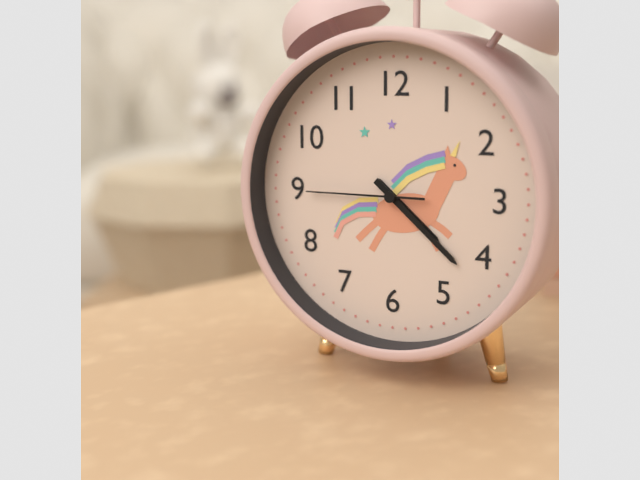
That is 4h22m45s
